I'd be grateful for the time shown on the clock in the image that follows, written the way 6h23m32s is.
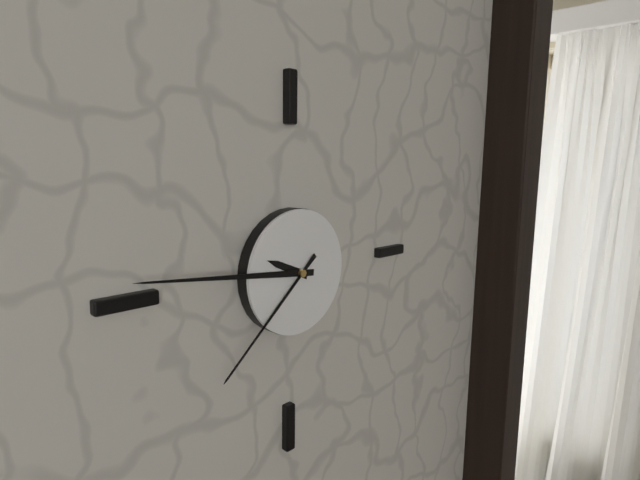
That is 9h46m38s
